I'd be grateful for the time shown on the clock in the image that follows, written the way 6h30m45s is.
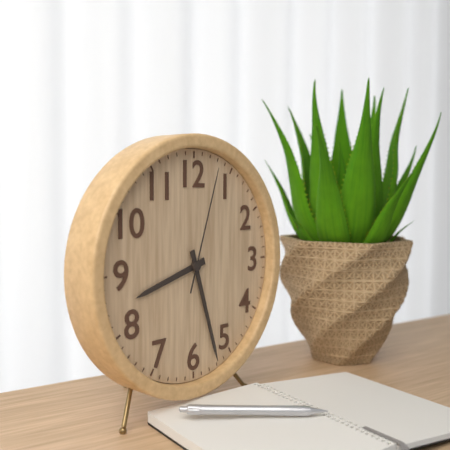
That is 8h27m03s
